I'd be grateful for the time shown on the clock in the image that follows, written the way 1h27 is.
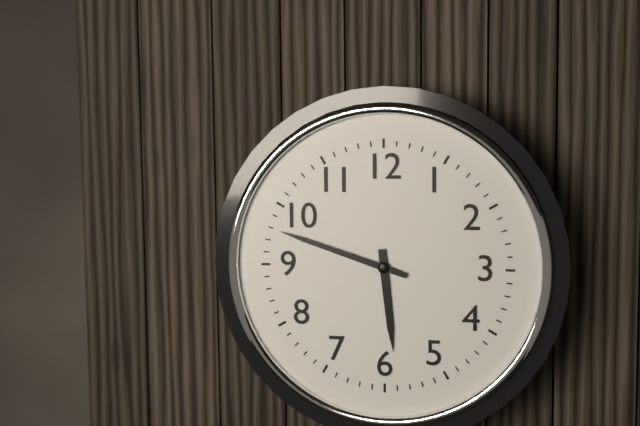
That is 5h48
